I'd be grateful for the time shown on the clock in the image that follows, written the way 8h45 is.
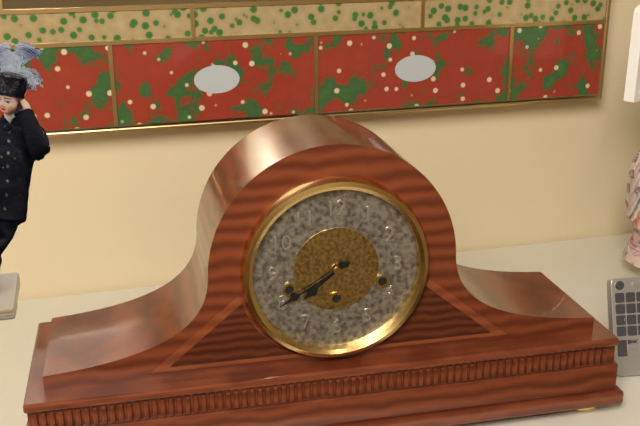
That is 7h40
